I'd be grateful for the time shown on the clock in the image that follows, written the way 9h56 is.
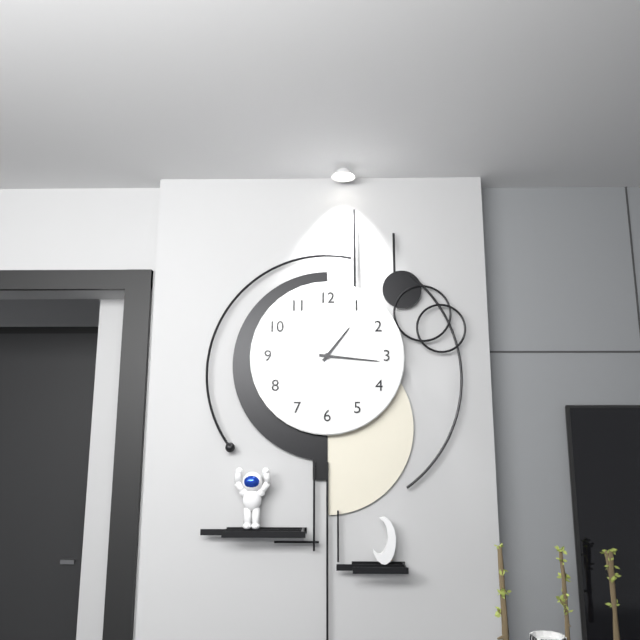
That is 1h16
